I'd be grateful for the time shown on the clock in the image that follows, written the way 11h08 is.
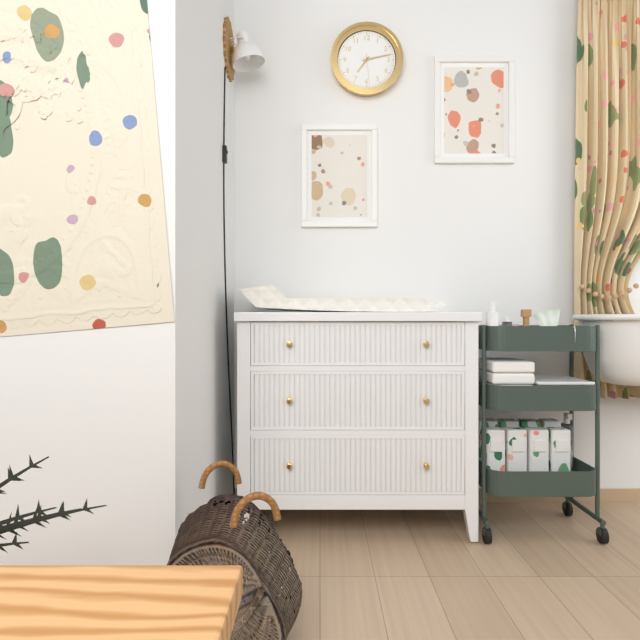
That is 7h13
